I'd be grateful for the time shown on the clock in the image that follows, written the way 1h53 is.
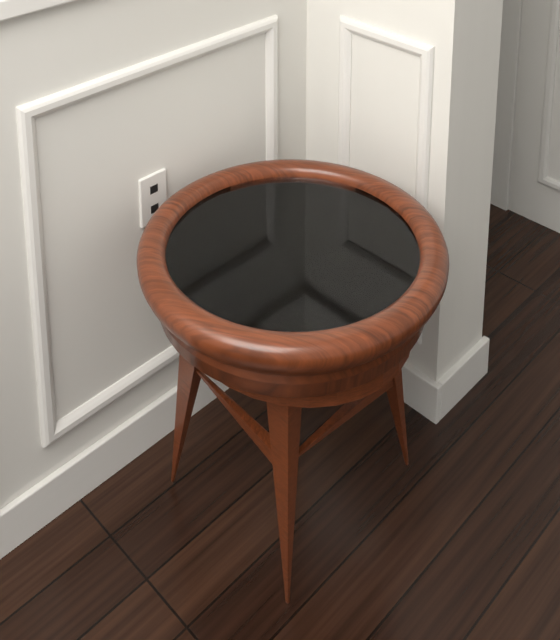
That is 6h43
